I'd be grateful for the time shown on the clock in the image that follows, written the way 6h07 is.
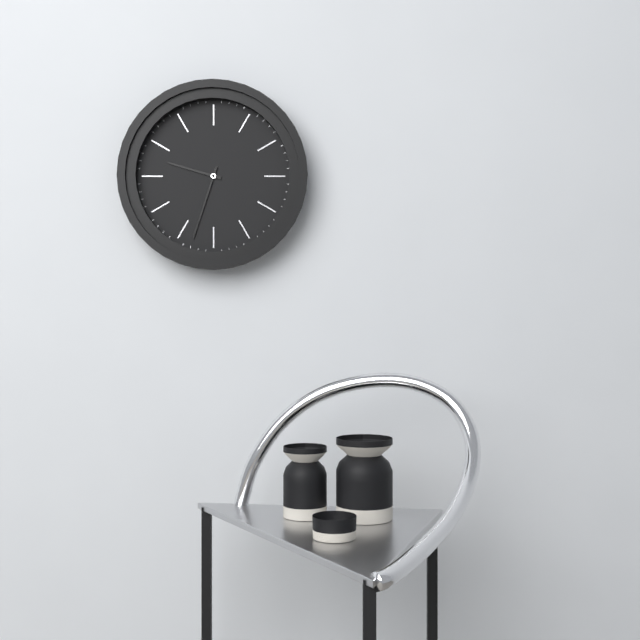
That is 9h33
